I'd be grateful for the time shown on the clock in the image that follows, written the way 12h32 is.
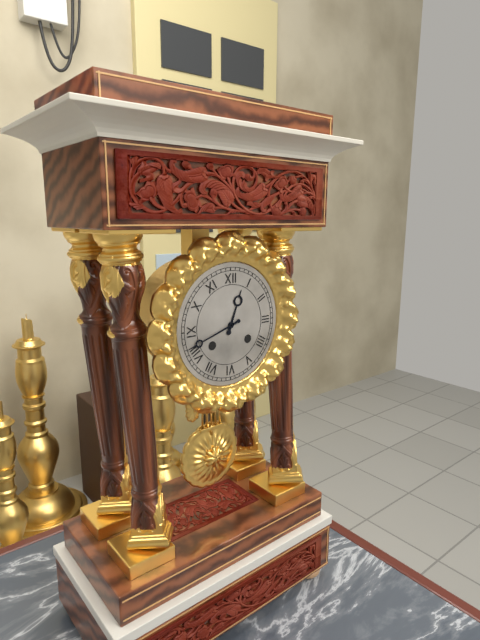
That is 12h42
